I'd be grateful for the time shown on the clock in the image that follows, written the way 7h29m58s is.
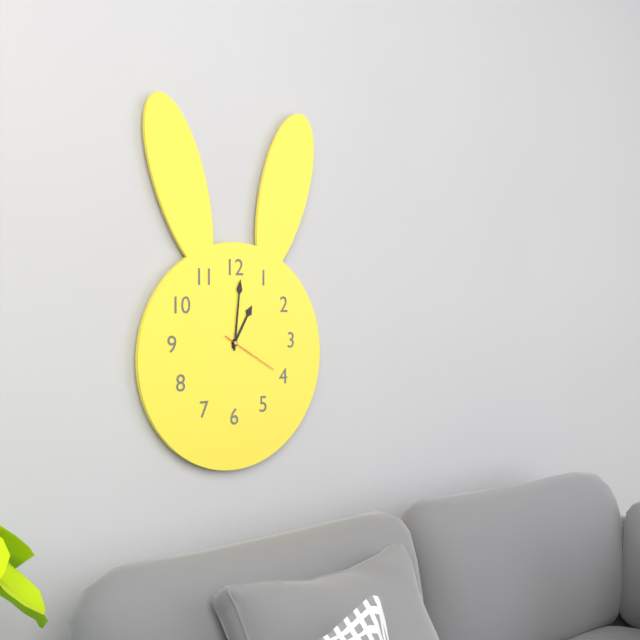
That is 1h01m20s
